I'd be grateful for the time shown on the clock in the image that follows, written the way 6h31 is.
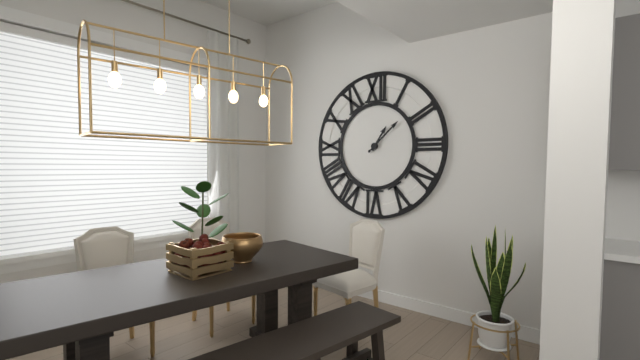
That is 1h08
